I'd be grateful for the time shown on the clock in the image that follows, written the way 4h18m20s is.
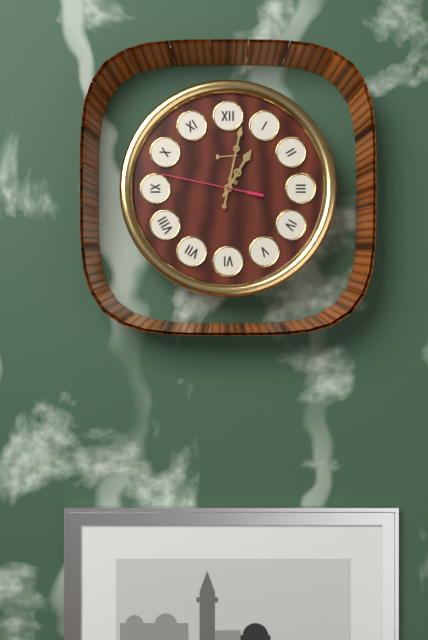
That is 1h02m47s
